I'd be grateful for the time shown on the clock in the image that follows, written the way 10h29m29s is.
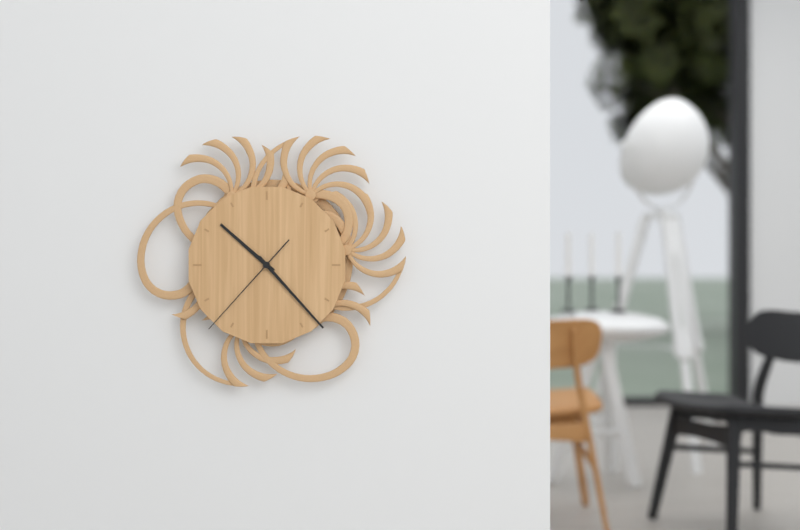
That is 10h23m37s
